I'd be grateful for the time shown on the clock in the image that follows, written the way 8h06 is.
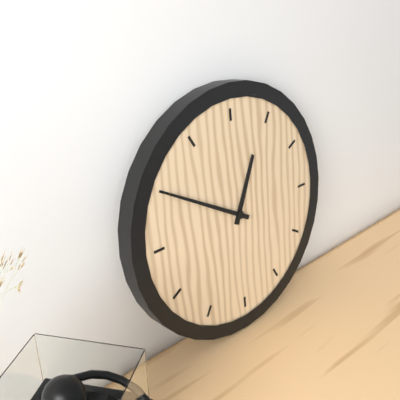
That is 12h50
